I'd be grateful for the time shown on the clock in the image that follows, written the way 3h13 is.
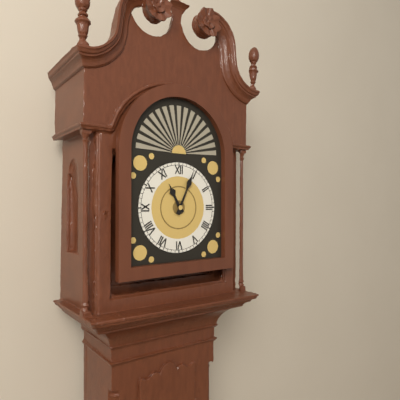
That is 11h04
